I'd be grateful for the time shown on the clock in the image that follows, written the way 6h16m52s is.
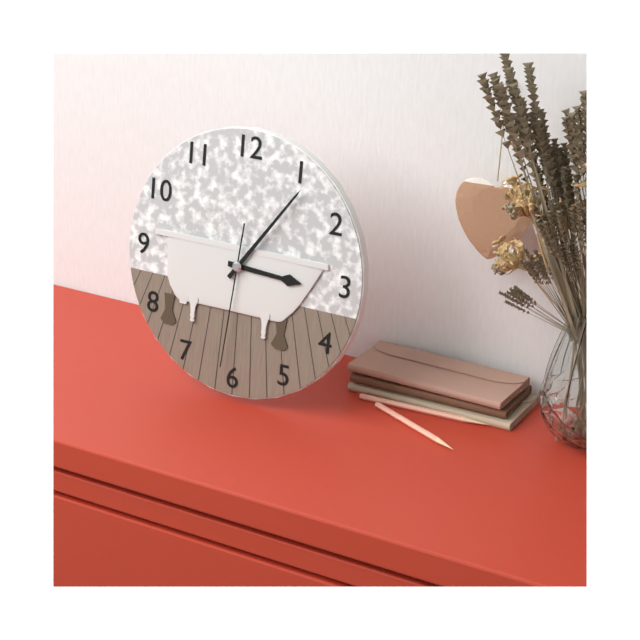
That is 3h06m31s
